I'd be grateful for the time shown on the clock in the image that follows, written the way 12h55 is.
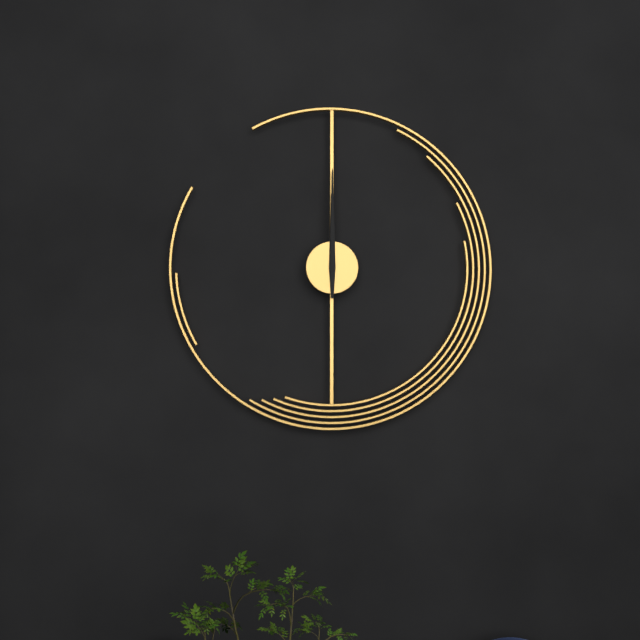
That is 12h00
